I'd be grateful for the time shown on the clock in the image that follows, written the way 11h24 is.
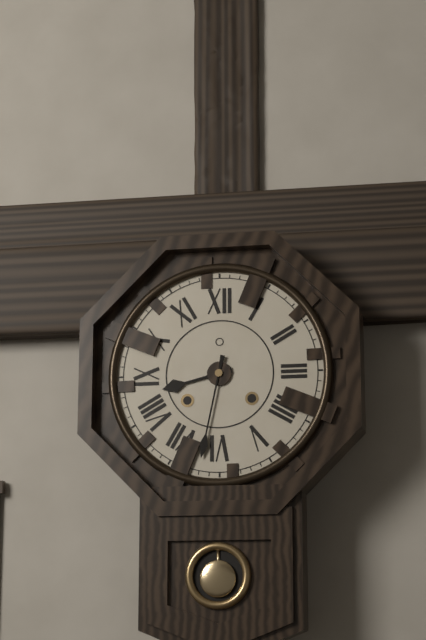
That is 8h32
